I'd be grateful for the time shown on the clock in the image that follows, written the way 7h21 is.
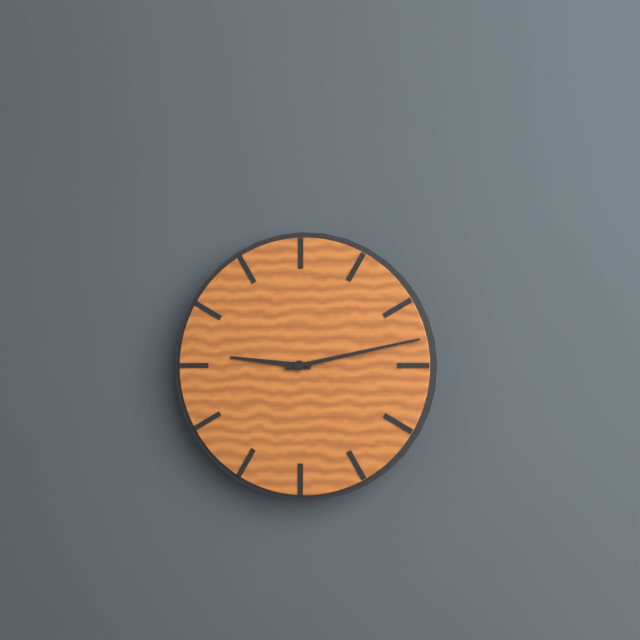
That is 9h13
